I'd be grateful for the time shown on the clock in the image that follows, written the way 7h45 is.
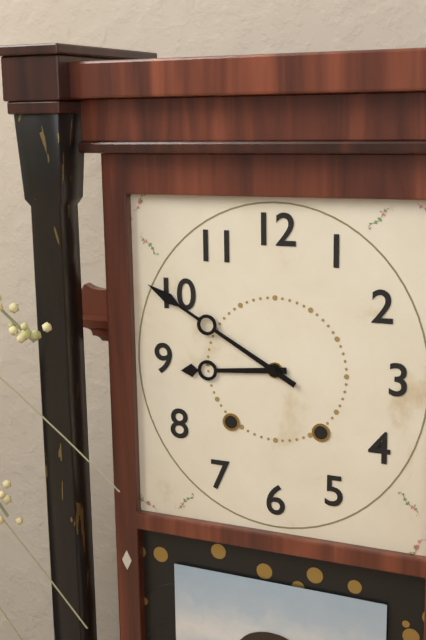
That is 8h50
